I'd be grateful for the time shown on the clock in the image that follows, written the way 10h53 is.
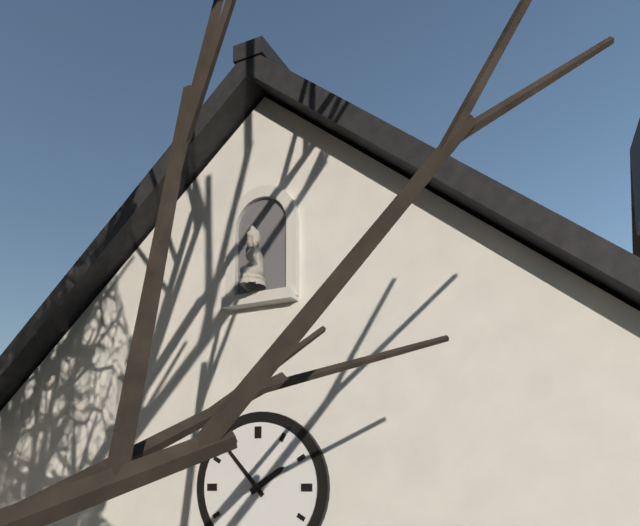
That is 1h53
